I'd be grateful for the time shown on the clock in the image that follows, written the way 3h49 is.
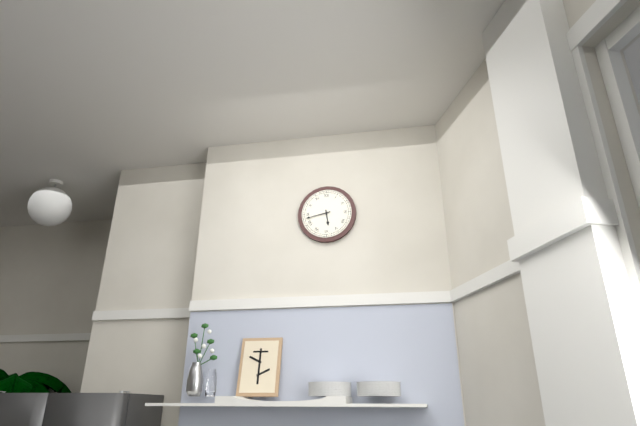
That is 5h43
